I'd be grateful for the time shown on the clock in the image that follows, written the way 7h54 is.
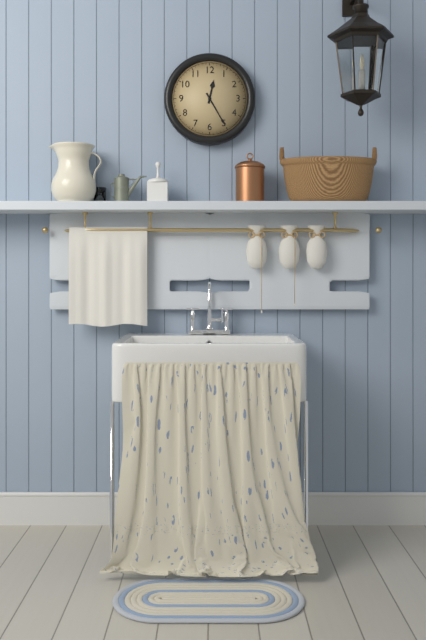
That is 12h25
